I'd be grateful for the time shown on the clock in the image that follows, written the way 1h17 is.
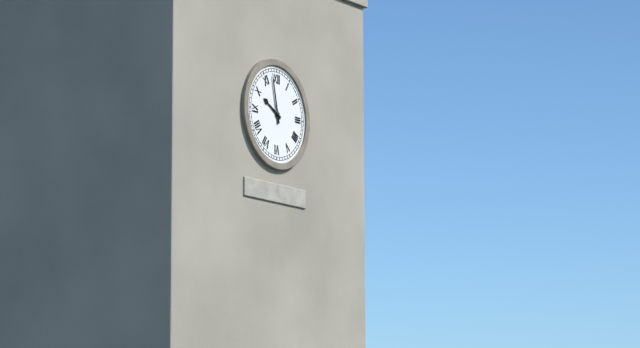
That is 9h58
